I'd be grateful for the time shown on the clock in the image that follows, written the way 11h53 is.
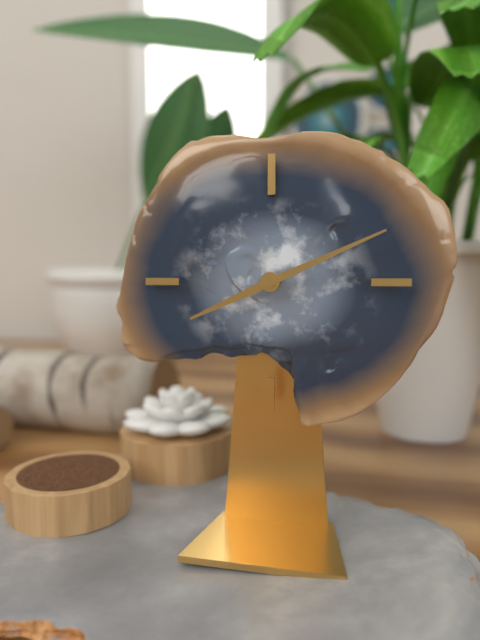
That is 8h11
